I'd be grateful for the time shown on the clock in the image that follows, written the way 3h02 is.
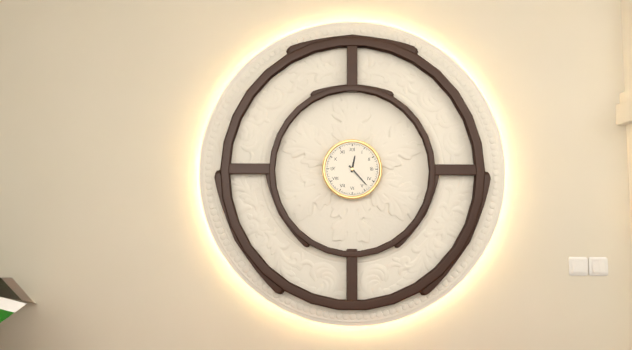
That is 12h23
